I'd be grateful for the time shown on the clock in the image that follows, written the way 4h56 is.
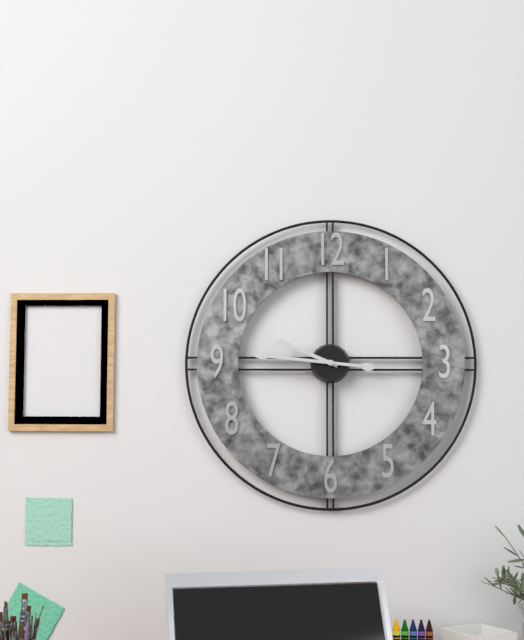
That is 9h46
